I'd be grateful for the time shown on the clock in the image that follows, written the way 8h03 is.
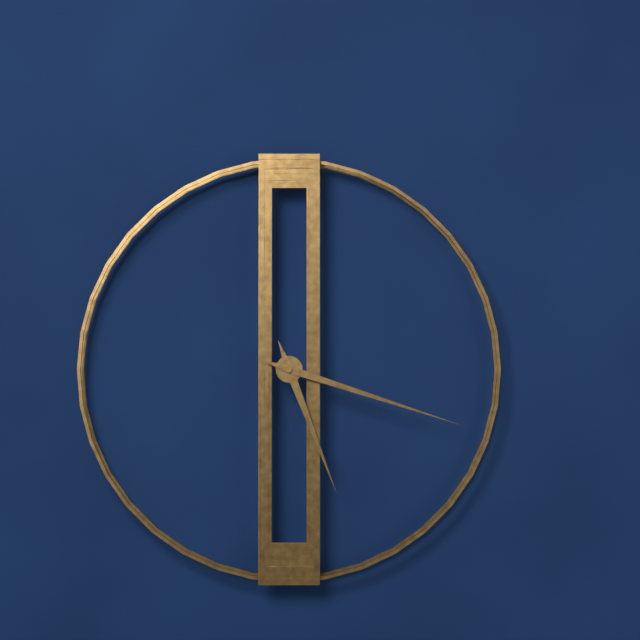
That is 5h18
